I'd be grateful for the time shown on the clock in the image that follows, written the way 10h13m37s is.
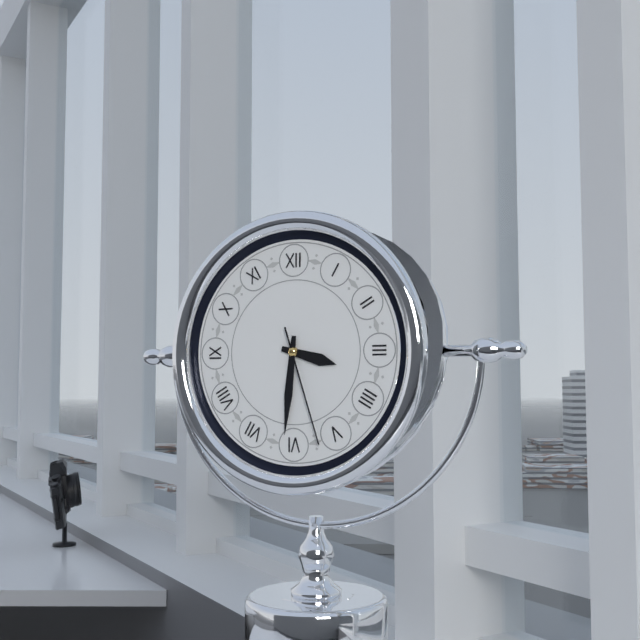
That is 3h31m27s
